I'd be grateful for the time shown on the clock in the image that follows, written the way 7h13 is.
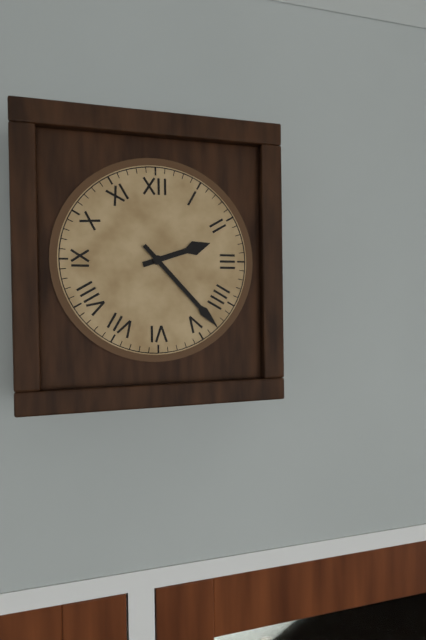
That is 2h23
